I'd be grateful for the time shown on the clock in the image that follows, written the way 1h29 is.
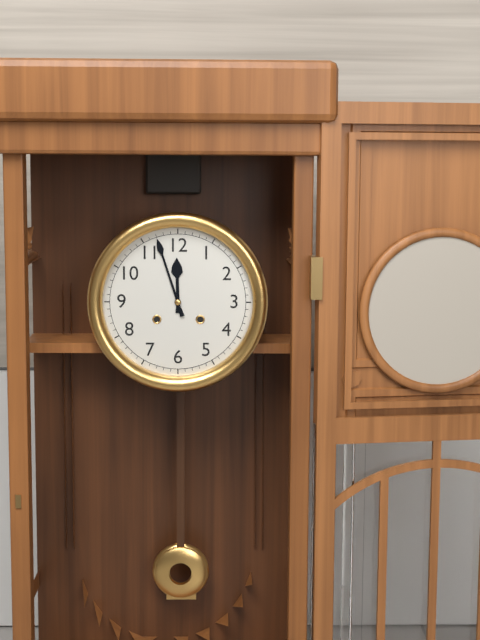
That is 11h57
